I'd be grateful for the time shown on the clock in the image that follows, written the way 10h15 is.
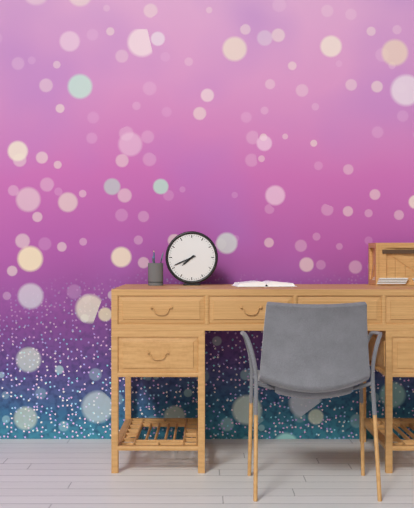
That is 7h41
